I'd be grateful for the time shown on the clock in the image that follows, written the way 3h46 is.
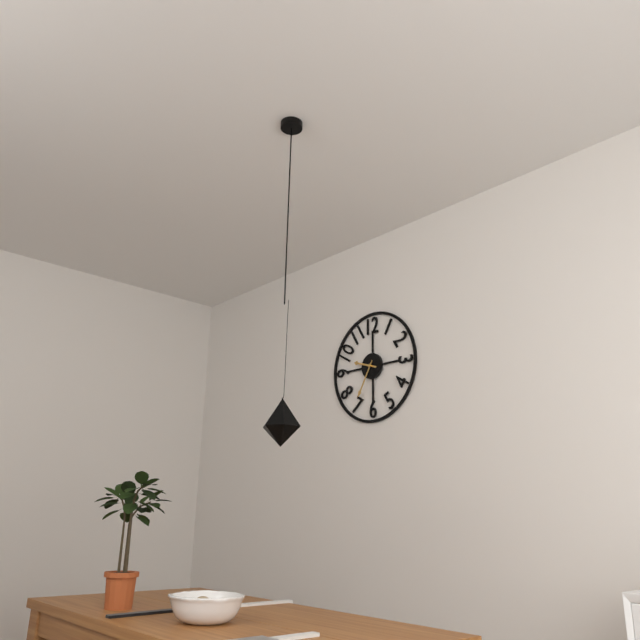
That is 9h35
